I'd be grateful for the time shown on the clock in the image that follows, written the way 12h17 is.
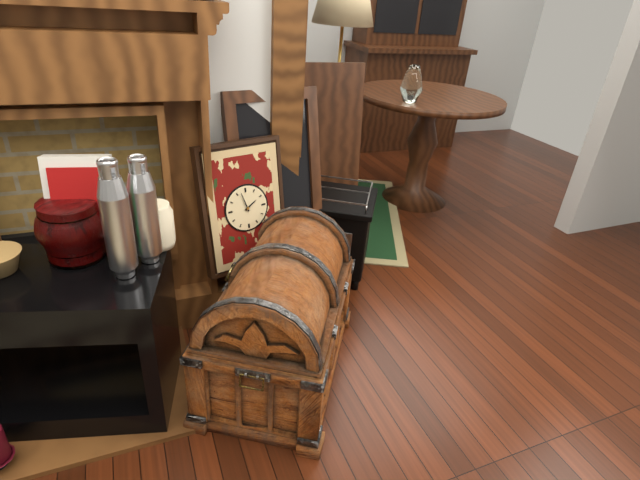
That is 1h57
